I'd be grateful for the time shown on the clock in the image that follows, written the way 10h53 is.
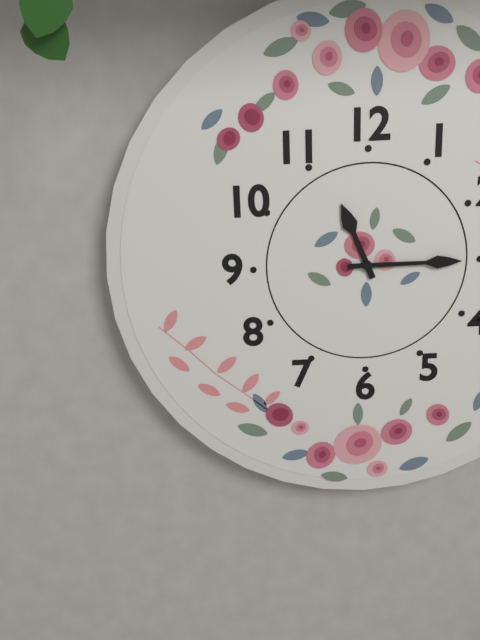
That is 11h15
